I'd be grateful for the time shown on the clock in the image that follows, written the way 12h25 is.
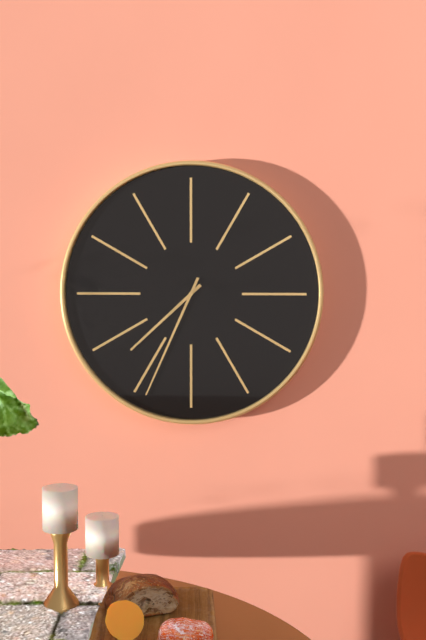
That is 7h34
